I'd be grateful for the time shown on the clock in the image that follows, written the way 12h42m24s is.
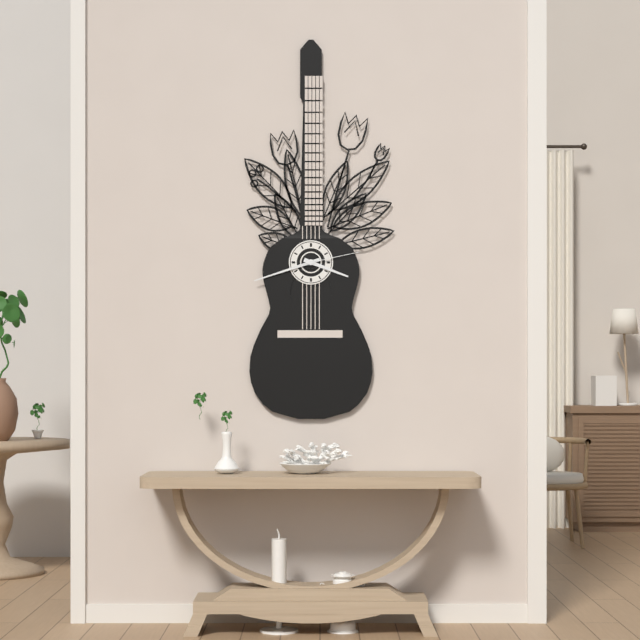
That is 3h42m13s
